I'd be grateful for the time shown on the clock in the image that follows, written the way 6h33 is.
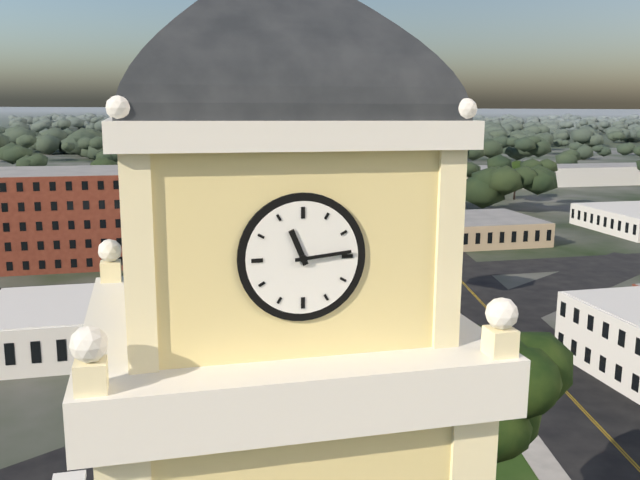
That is 11h14
